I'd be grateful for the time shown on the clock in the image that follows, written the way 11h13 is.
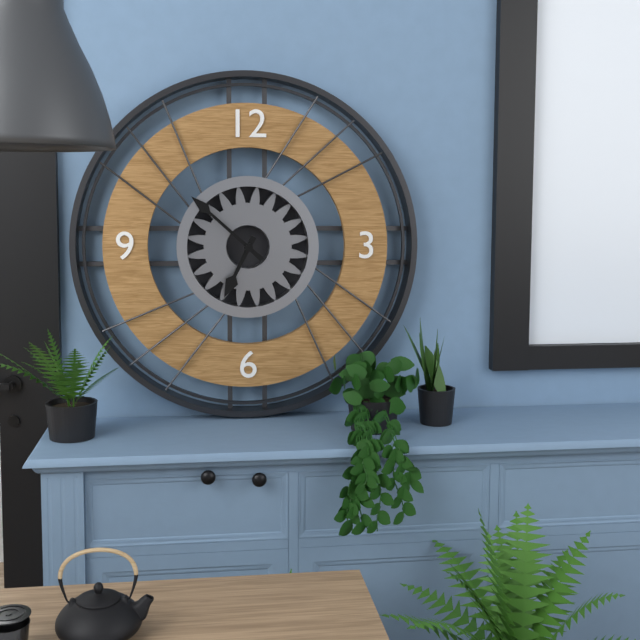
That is 6h52
